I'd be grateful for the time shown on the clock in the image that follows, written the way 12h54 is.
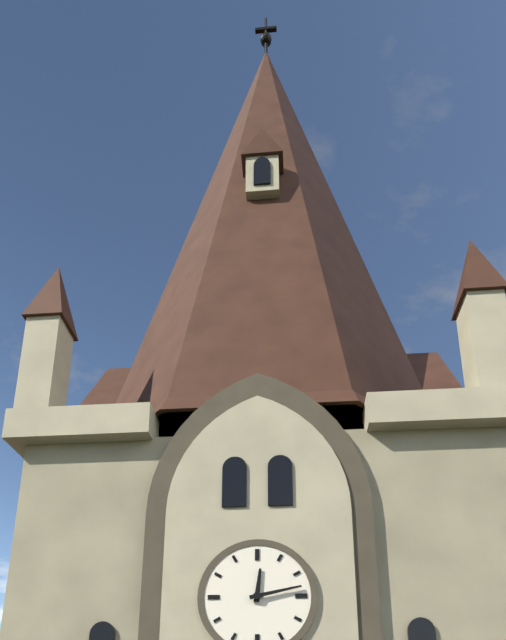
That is 12h13
